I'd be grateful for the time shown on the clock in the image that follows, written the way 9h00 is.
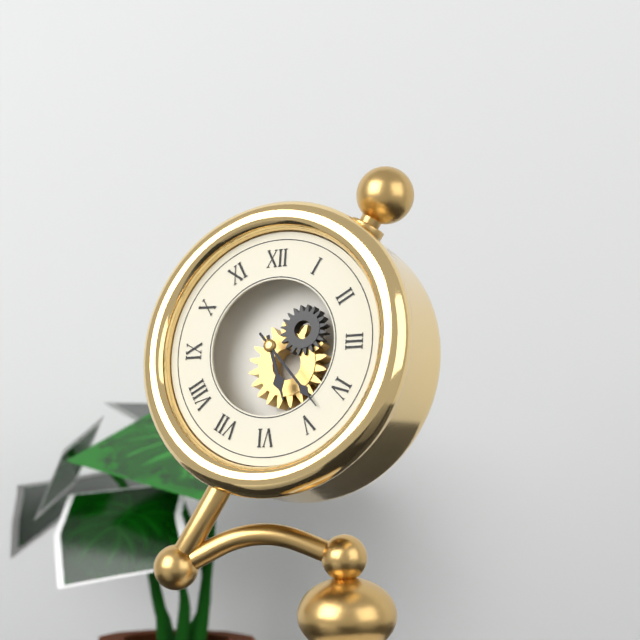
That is 5h23
